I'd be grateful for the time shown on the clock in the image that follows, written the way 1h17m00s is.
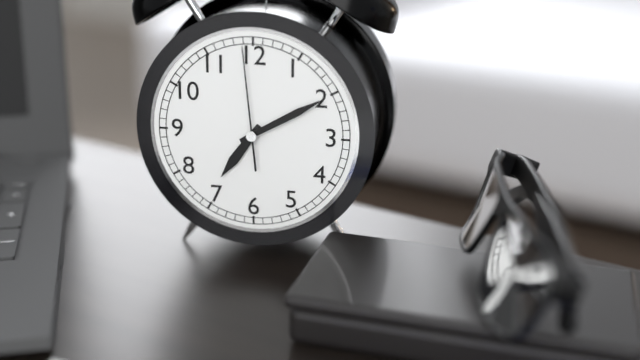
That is 7h10m59s
